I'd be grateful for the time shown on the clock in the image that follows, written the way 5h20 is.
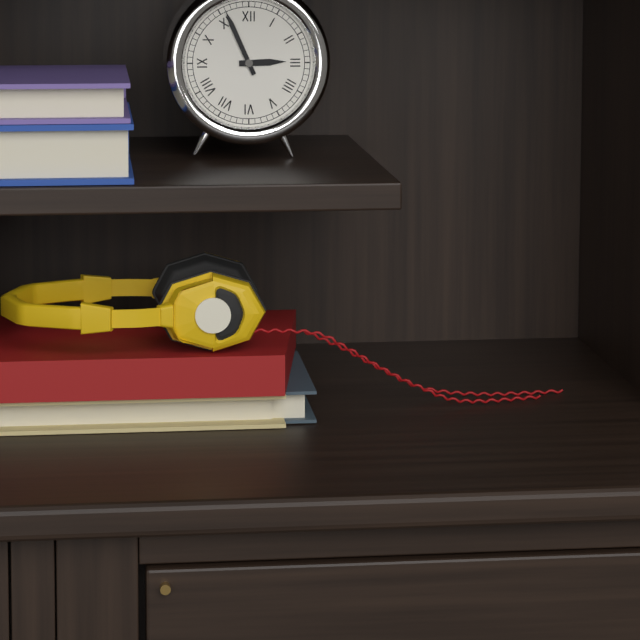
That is 2h56
